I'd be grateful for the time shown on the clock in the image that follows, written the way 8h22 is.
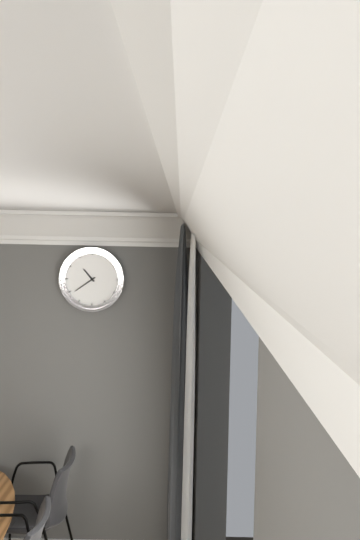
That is 10h39
